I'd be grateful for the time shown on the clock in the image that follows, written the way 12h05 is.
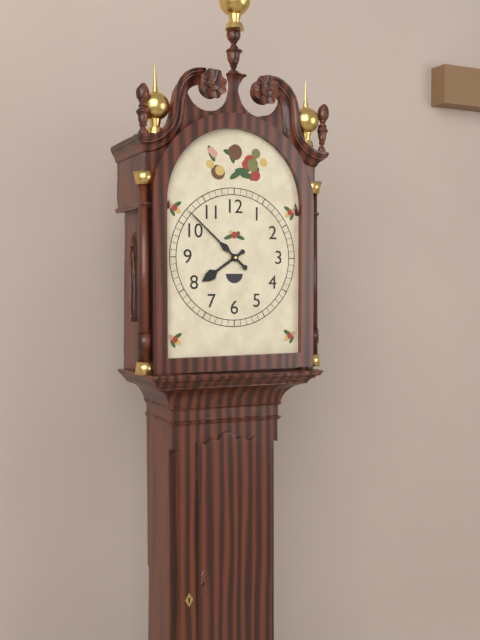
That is 7h52
